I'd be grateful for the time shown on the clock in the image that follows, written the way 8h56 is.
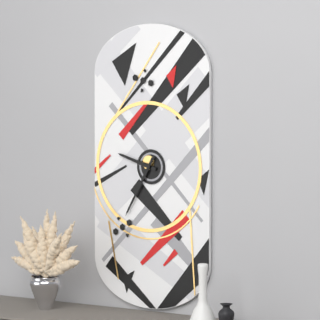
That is 9h35
